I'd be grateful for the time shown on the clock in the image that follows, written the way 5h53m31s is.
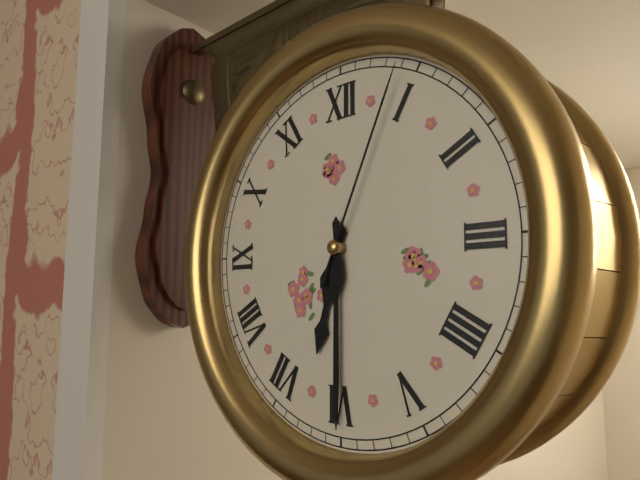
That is 6h30m04s
